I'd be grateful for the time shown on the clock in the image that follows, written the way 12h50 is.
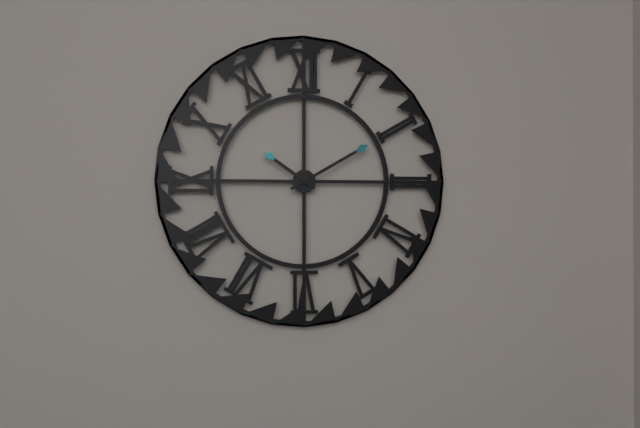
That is 10h10
